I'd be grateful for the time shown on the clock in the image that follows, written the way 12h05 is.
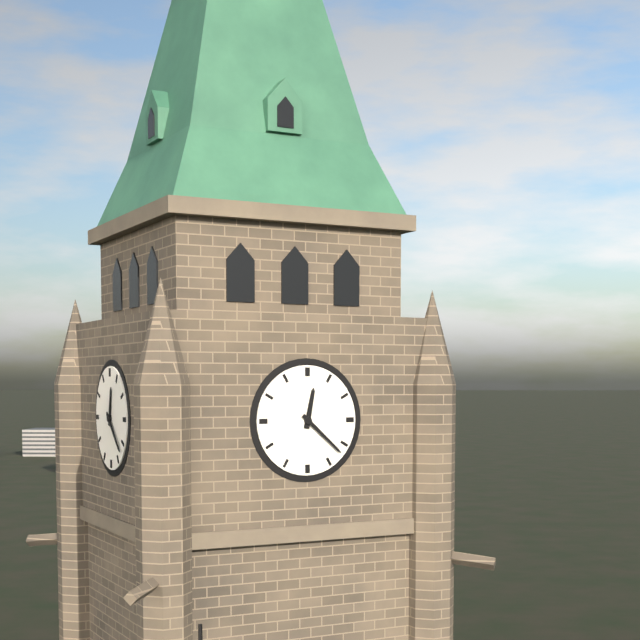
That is 12h22
